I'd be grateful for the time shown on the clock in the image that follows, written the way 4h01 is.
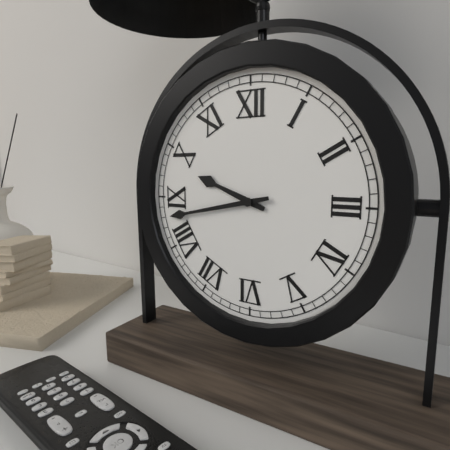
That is 9h43
